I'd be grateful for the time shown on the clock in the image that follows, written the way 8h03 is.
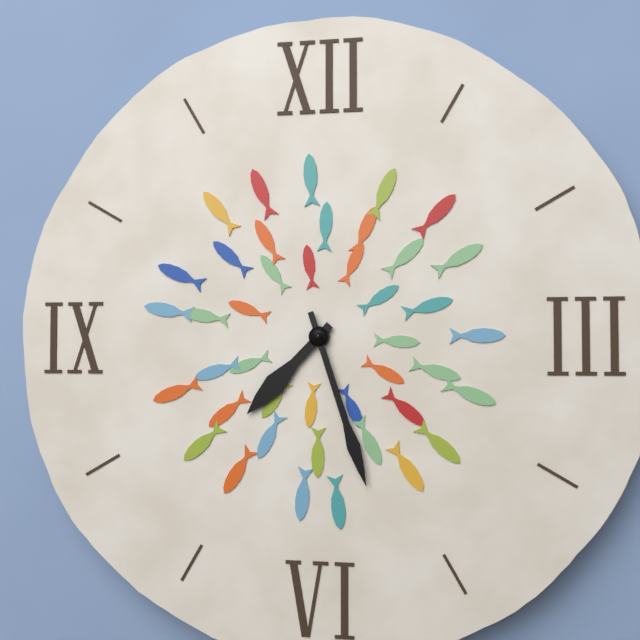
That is 7h27
